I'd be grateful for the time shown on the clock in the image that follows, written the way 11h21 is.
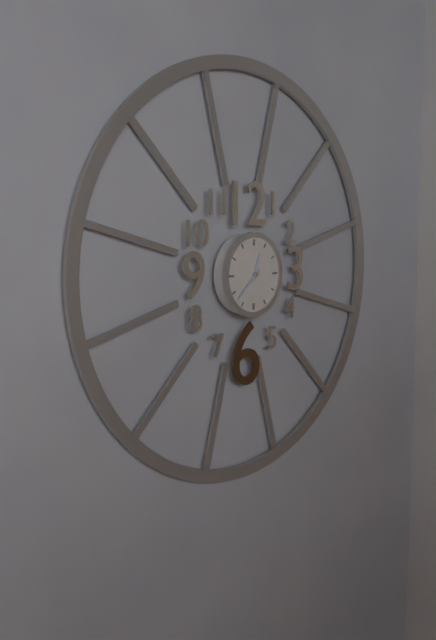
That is 12h38
